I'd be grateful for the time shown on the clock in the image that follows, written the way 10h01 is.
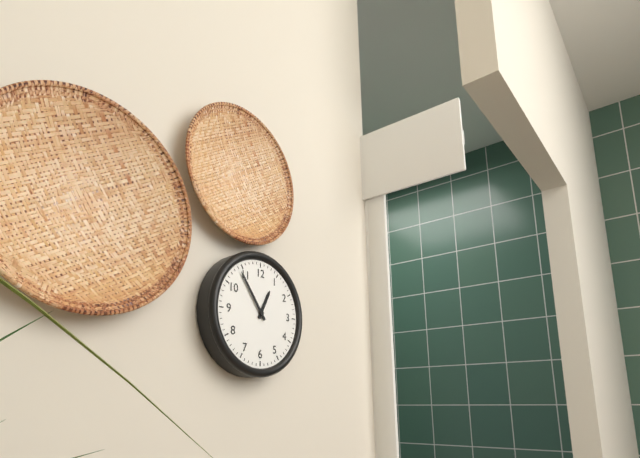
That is 12h54
